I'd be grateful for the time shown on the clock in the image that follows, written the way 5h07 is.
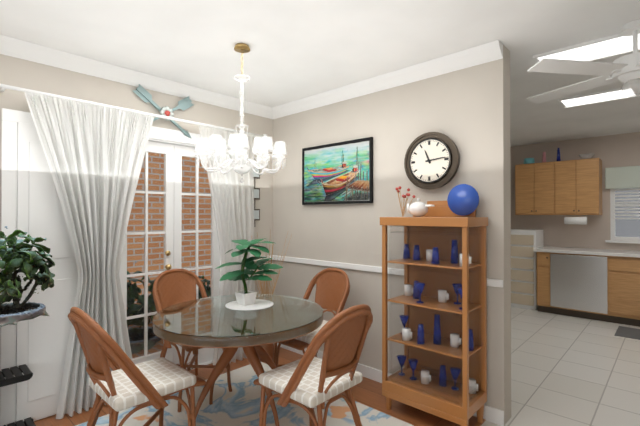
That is 11h14
